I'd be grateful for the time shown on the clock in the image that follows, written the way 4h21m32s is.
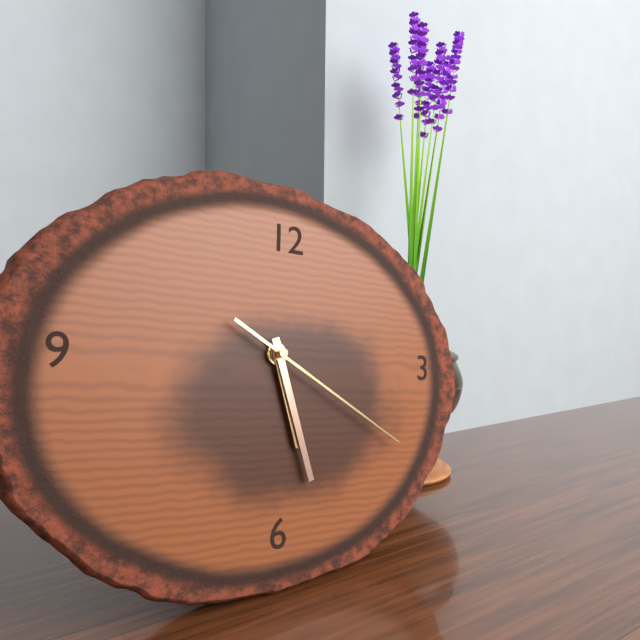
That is 5h27m20s
